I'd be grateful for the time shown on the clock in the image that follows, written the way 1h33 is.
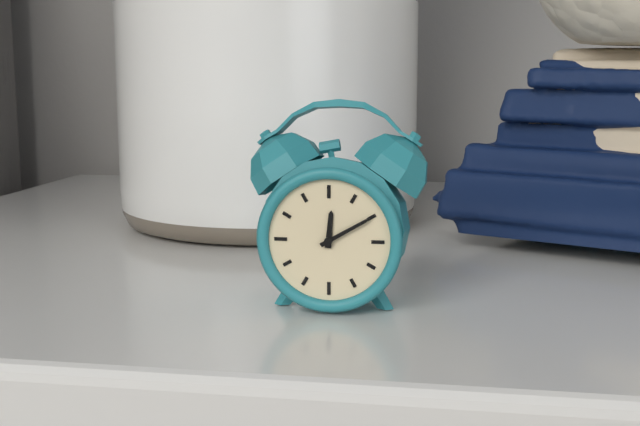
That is 12h10
